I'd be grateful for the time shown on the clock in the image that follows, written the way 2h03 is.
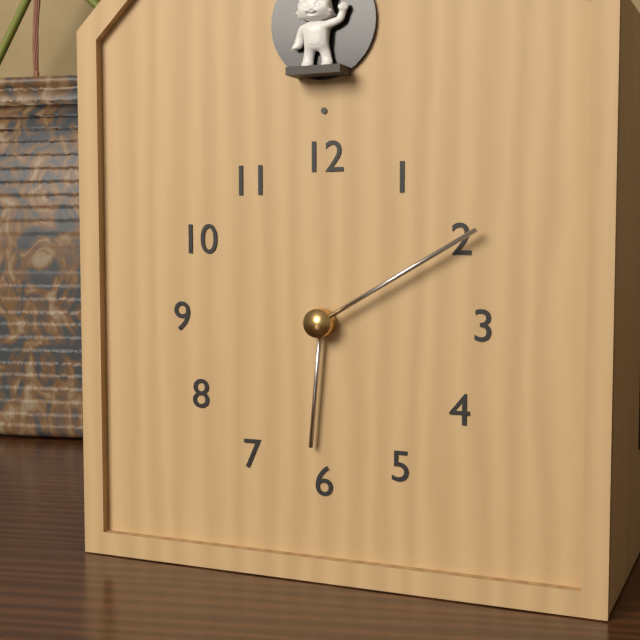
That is 6h10
